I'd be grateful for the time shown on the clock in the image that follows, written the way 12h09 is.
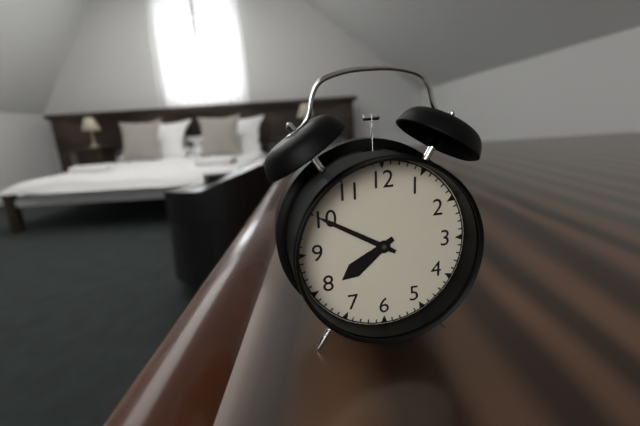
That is 7h50
